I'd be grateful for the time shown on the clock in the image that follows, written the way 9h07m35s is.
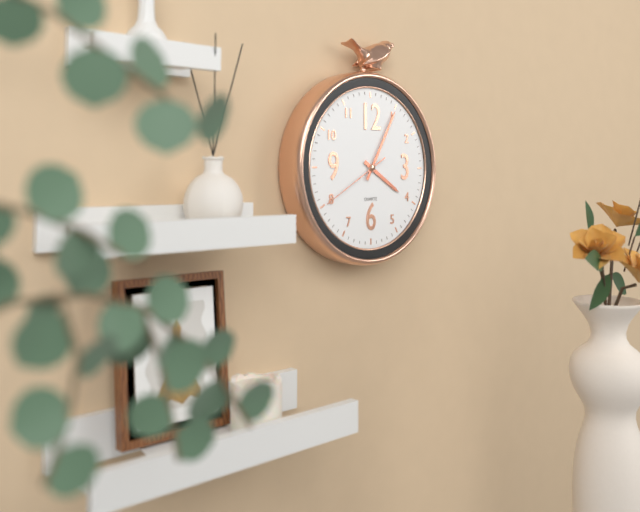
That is 4h05m40s
